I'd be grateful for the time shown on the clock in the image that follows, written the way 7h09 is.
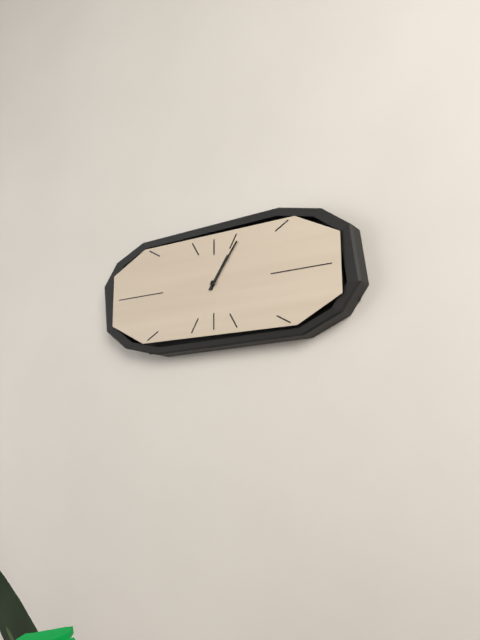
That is 1h06
